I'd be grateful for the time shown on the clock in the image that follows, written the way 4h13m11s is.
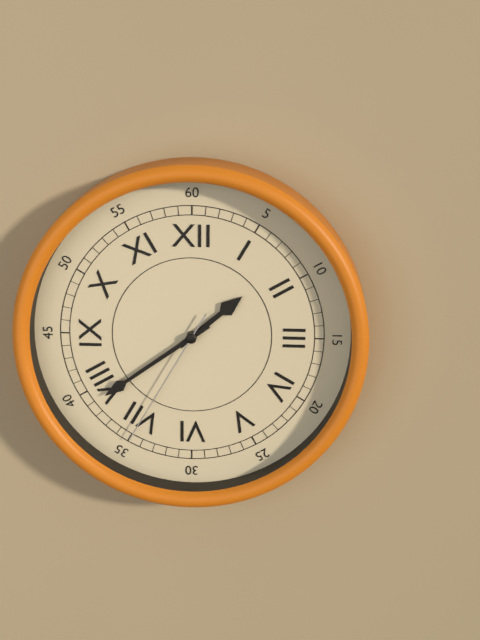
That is 1h39m35s
